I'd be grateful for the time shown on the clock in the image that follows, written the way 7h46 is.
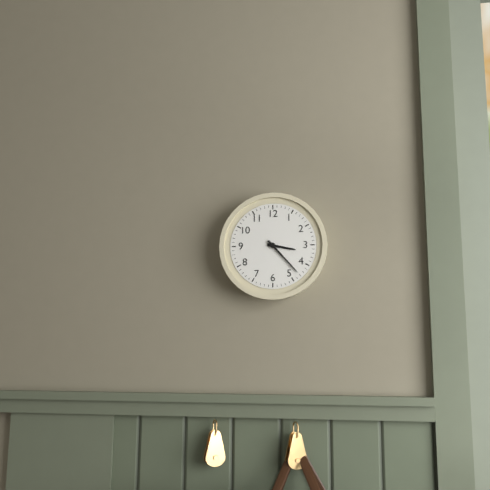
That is 3h23
